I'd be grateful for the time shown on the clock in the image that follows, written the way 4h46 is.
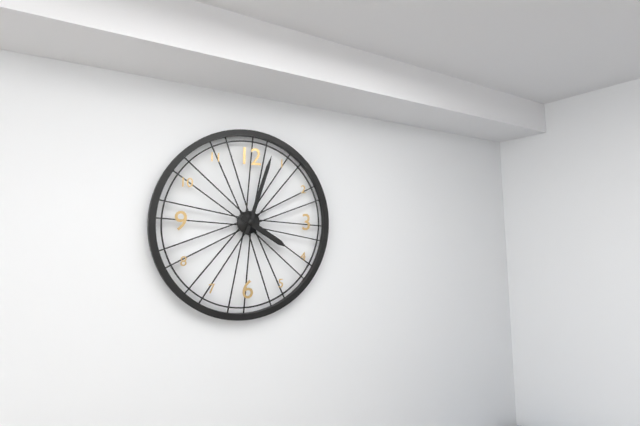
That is 4h03
